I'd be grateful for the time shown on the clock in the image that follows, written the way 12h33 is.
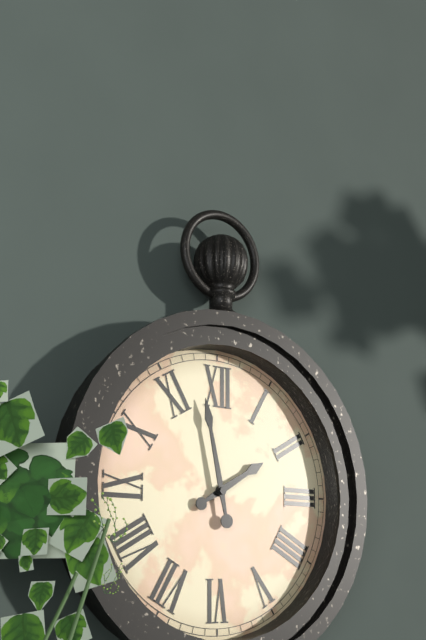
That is 1h58
